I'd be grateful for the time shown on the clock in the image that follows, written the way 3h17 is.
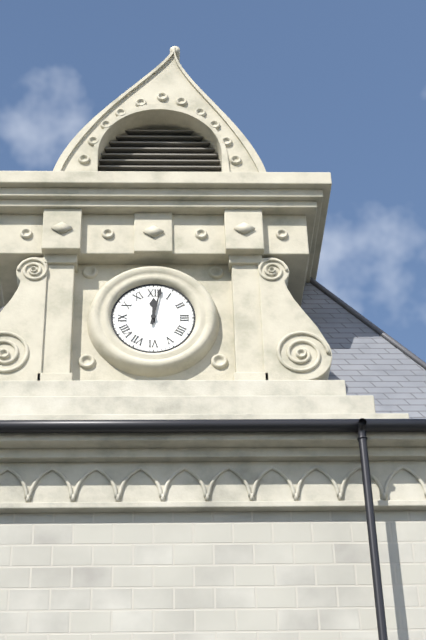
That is 12h02
